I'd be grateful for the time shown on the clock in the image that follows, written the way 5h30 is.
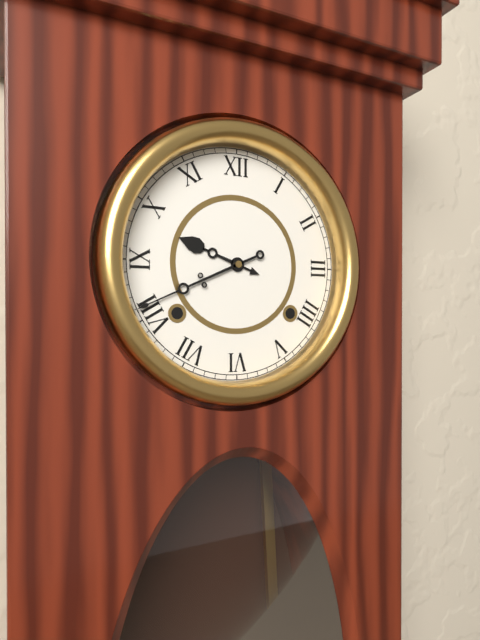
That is 9h41
